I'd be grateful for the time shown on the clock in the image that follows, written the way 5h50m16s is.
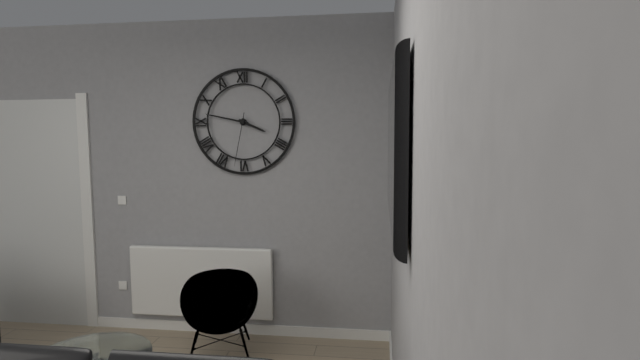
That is 3h47m32s
